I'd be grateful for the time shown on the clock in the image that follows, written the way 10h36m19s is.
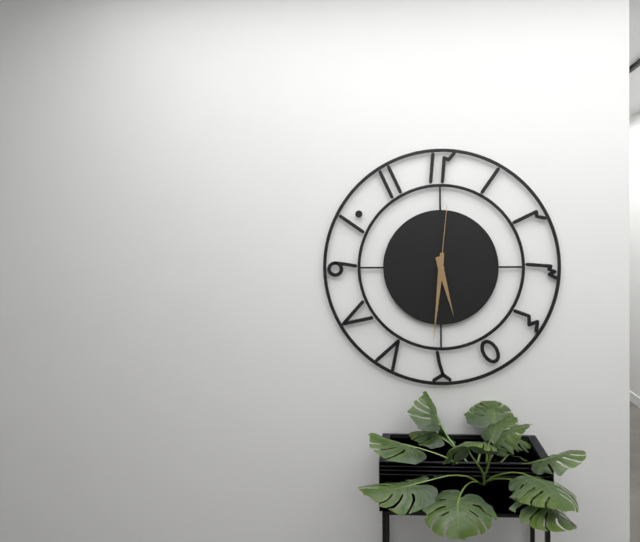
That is 5h31m01s
